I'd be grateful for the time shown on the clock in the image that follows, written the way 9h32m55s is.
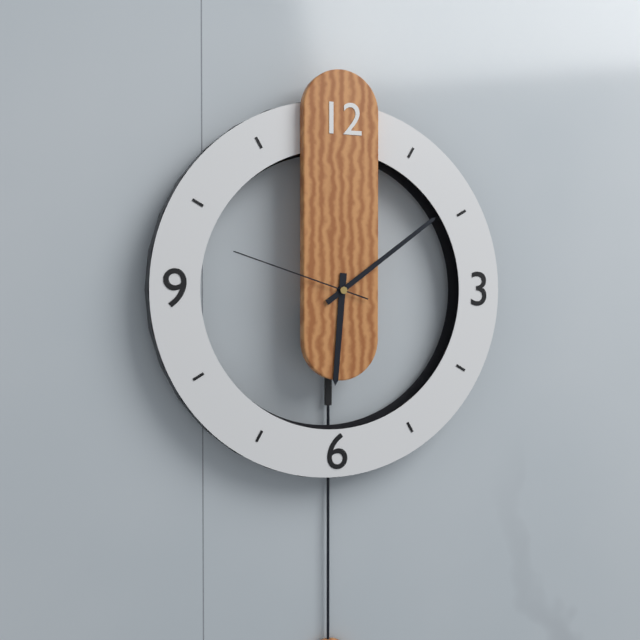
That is 6h09m48s
